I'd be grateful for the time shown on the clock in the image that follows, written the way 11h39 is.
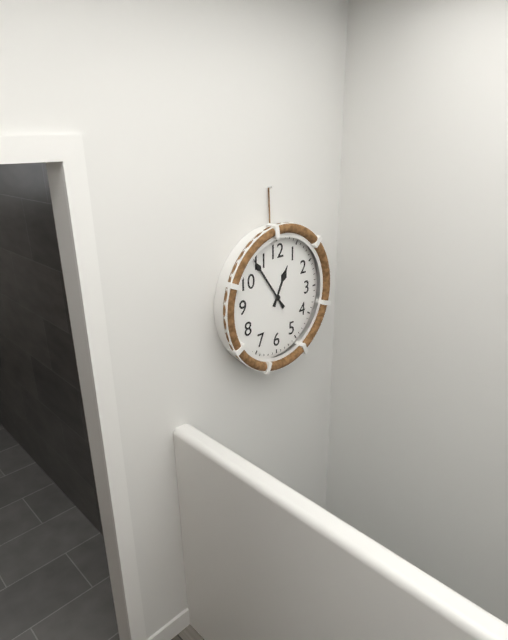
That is 12h54
